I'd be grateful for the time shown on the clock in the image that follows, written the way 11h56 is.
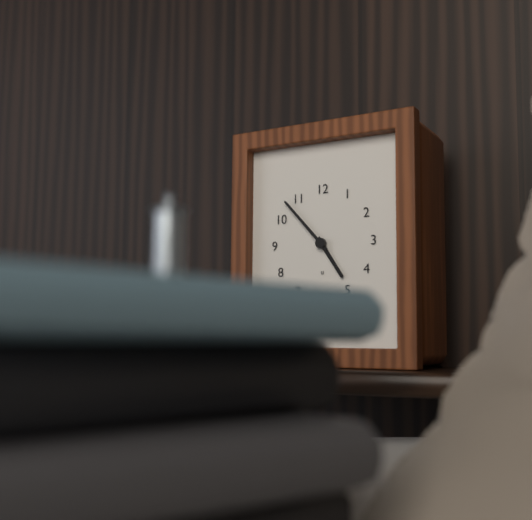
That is 4h53
